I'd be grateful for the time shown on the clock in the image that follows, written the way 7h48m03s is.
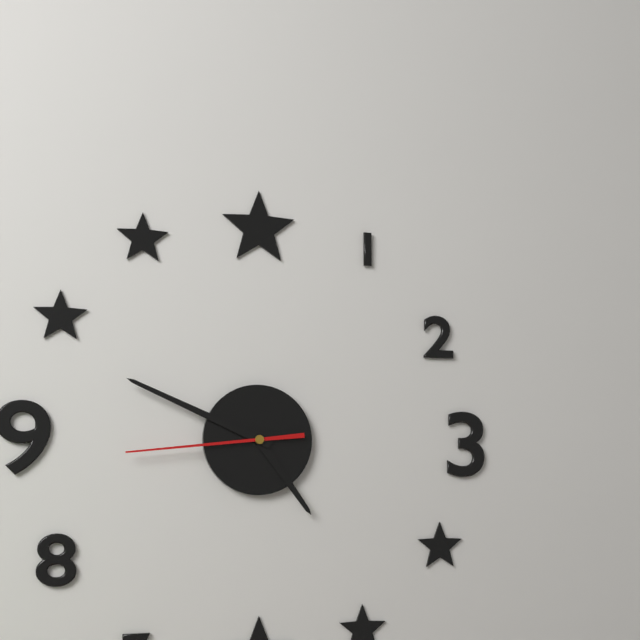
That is 4h49m44s
